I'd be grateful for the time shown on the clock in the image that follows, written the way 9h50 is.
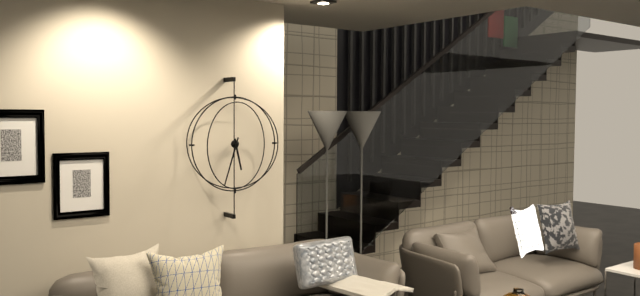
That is 5h33
